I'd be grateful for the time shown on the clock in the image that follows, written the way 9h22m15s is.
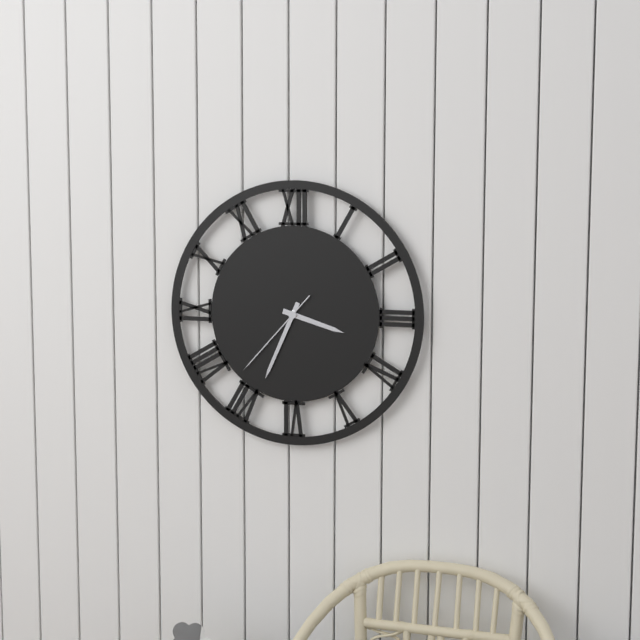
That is 3h34m37s
